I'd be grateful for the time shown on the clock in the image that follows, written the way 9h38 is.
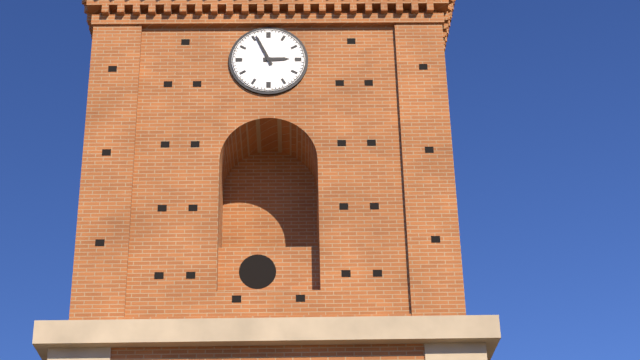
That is 2h56
